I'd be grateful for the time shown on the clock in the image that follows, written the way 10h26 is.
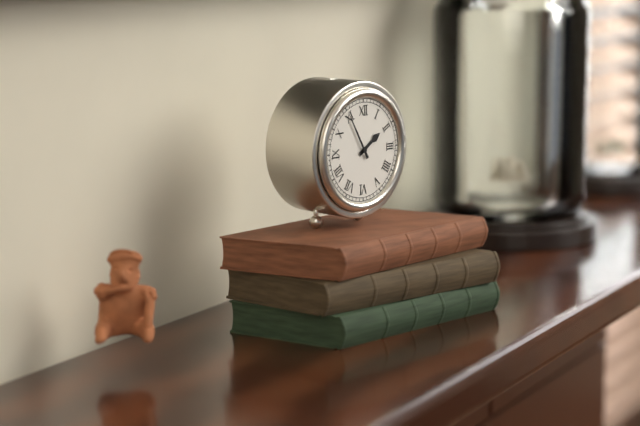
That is 1h55
